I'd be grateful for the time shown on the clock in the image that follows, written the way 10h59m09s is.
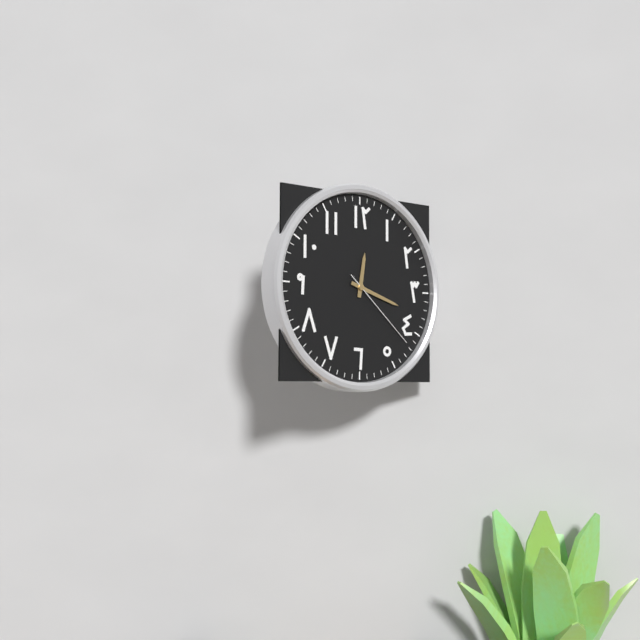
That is 12h18m22s
